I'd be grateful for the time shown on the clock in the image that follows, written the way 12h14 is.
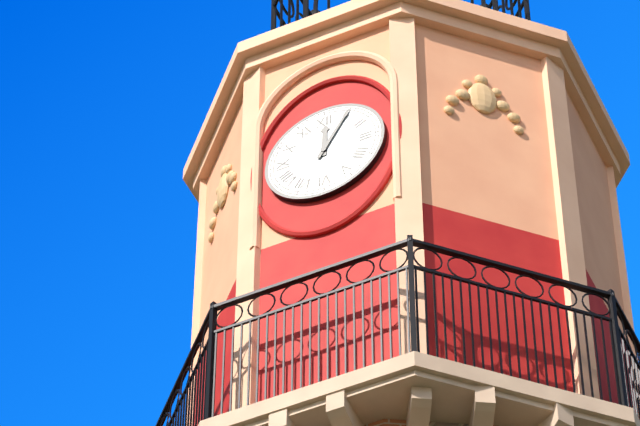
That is 12h05
